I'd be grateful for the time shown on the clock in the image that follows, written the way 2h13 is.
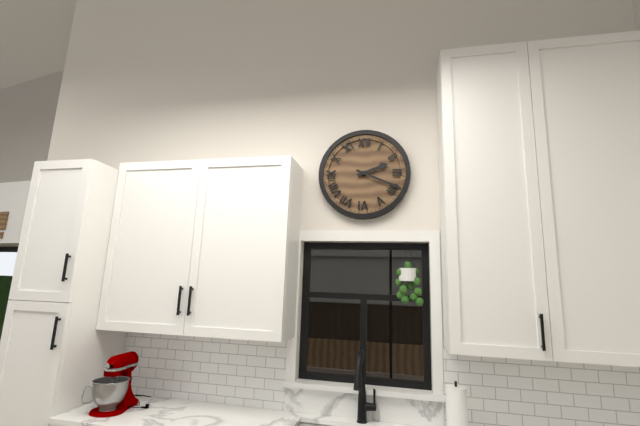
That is 2h19
